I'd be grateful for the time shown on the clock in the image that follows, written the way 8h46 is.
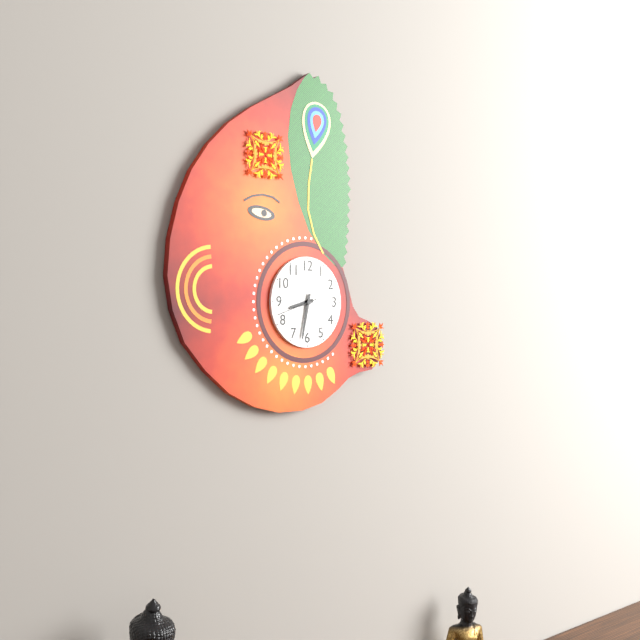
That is 8h32
